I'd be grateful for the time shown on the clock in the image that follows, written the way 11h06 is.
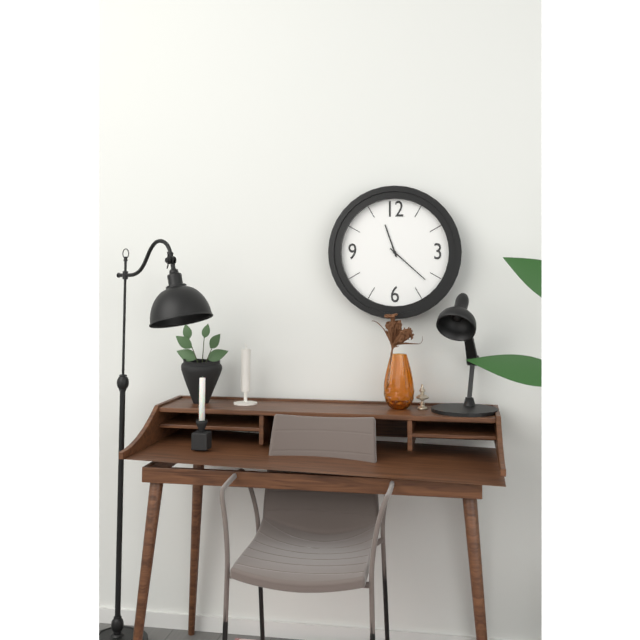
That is 11h22
